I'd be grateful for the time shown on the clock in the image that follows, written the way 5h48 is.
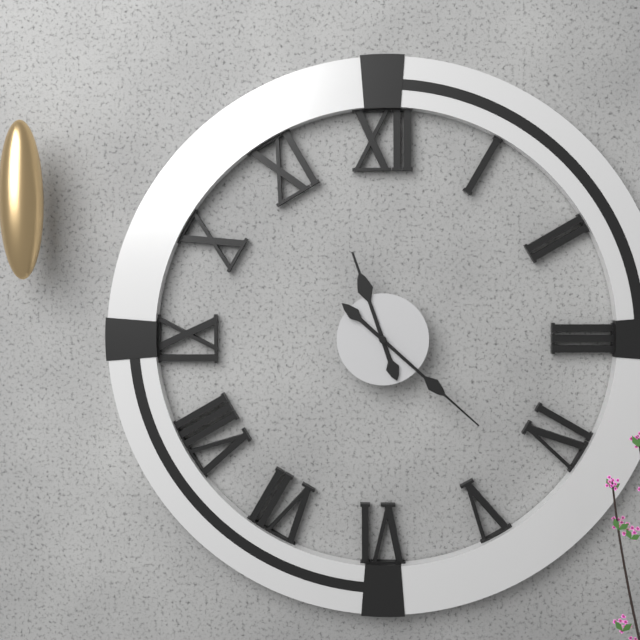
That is 11h22
